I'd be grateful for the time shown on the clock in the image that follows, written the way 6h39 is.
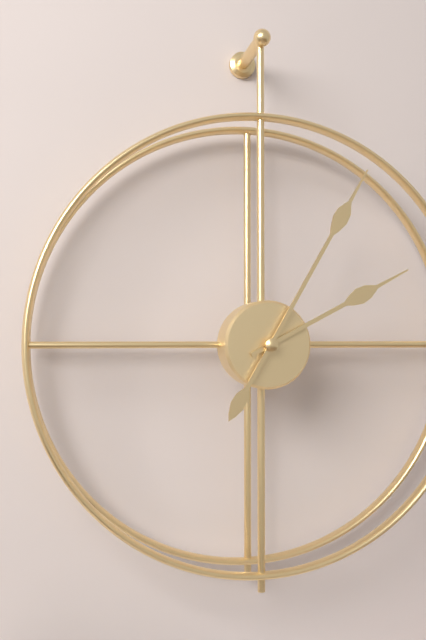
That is 2h05
